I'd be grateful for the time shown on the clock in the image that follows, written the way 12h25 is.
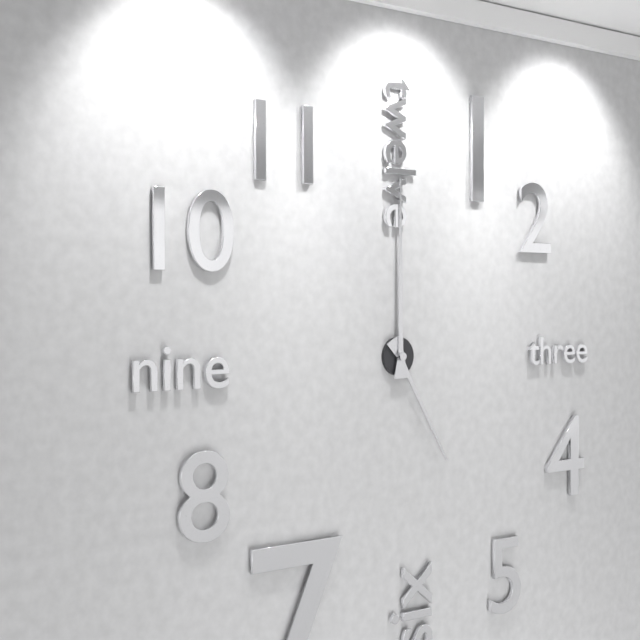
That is 5h00
